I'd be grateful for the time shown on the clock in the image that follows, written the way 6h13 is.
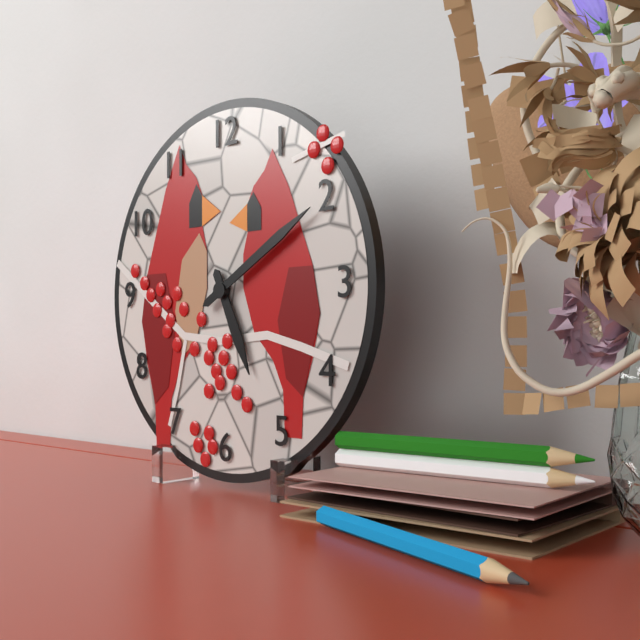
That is 5h10
